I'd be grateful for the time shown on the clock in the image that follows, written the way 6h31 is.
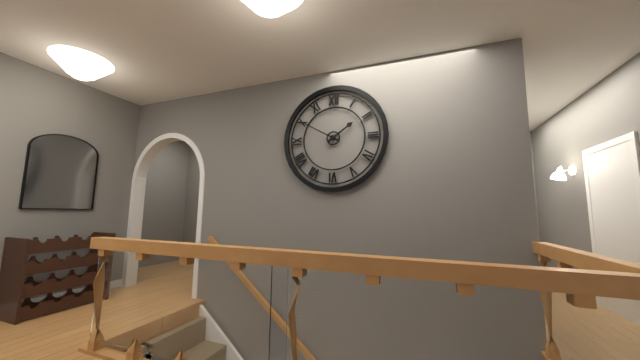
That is 1h50
